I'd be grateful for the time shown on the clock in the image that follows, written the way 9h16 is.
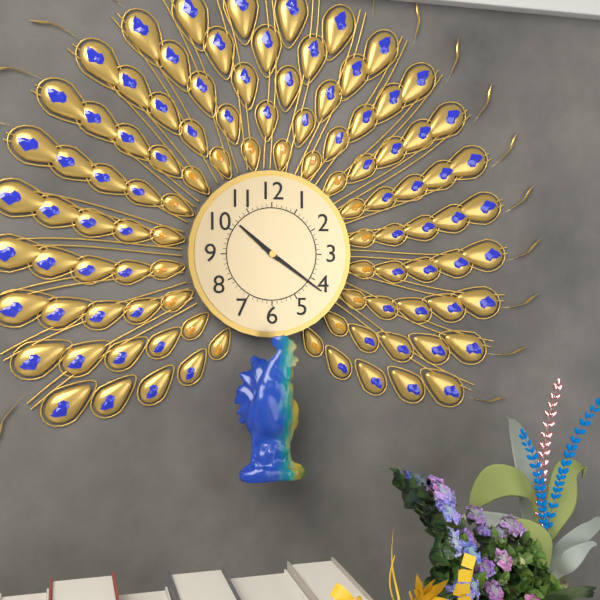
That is 10h21
